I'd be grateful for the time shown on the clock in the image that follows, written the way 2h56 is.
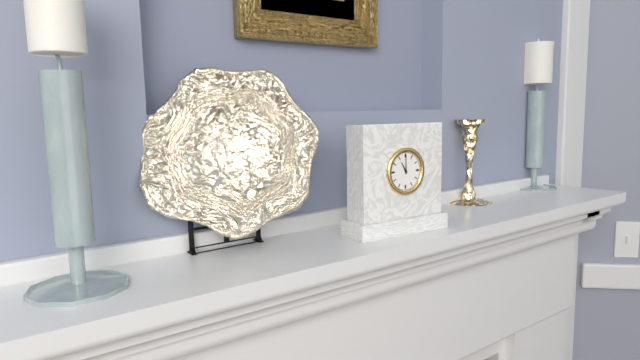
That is 11h00
